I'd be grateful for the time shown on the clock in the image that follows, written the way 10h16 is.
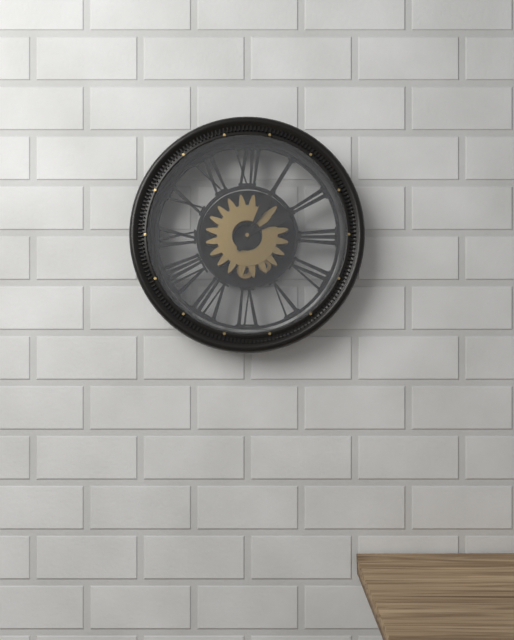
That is 2h05
